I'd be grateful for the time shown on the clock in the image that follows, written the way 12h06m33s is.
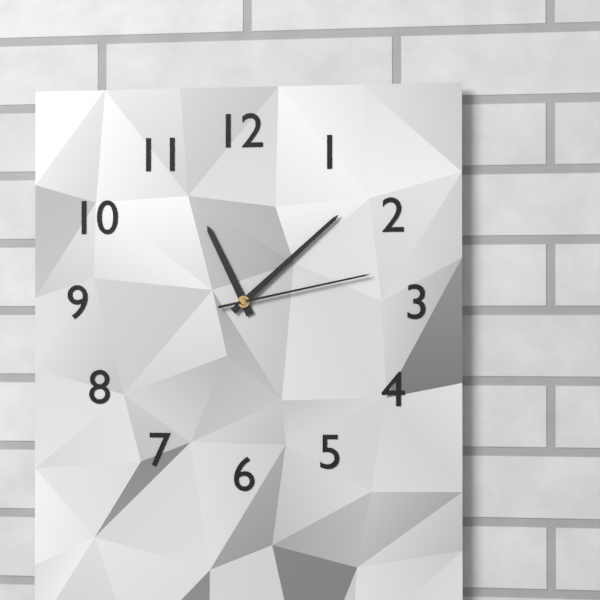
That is 11h08m13s
